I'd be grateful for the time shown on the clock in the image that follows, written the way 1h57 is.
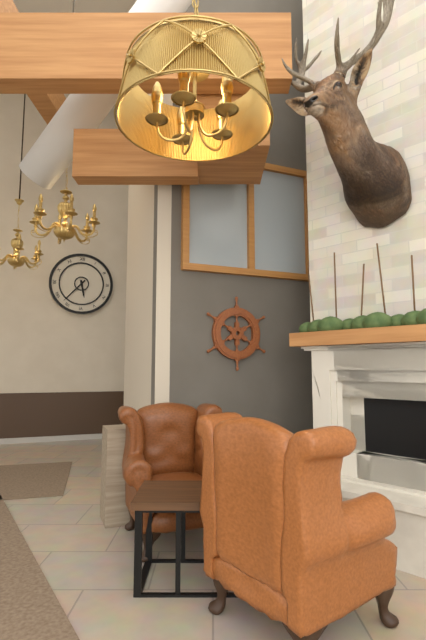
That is 5h37
